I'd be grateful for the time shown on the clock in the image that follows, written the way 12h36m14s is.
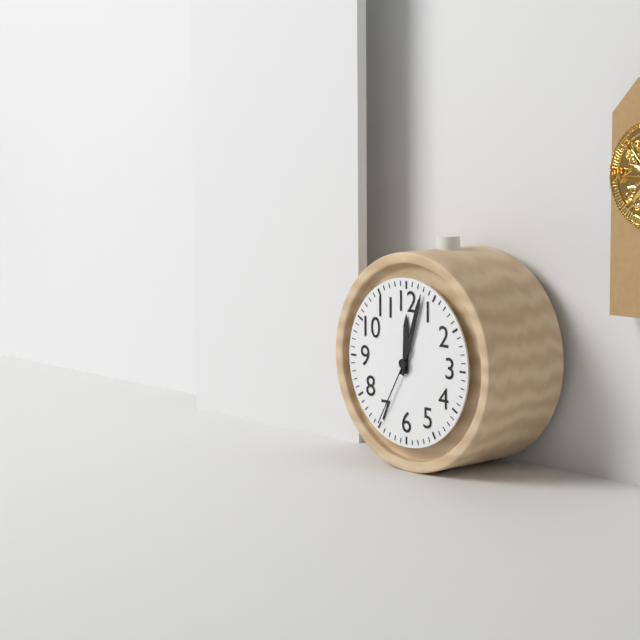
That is 12h03m35s
